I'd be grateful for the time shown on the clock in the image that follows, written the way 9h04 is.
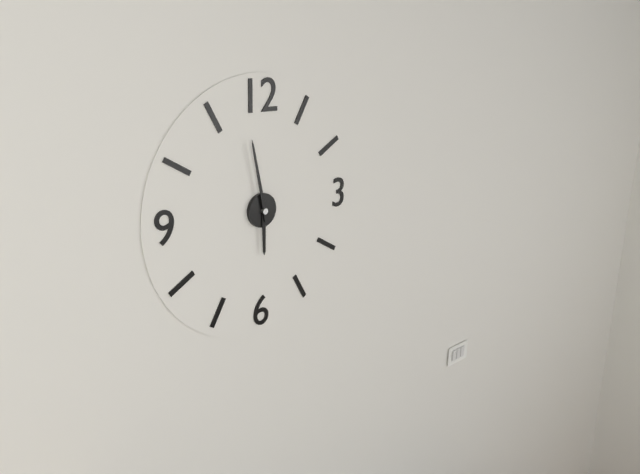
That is 5h58
